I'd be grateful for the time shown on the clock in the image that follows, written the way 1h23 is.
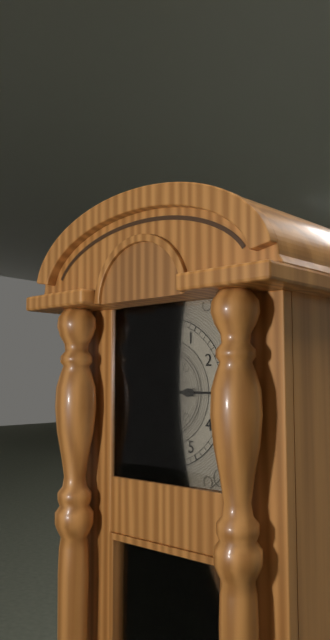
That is 12h15
